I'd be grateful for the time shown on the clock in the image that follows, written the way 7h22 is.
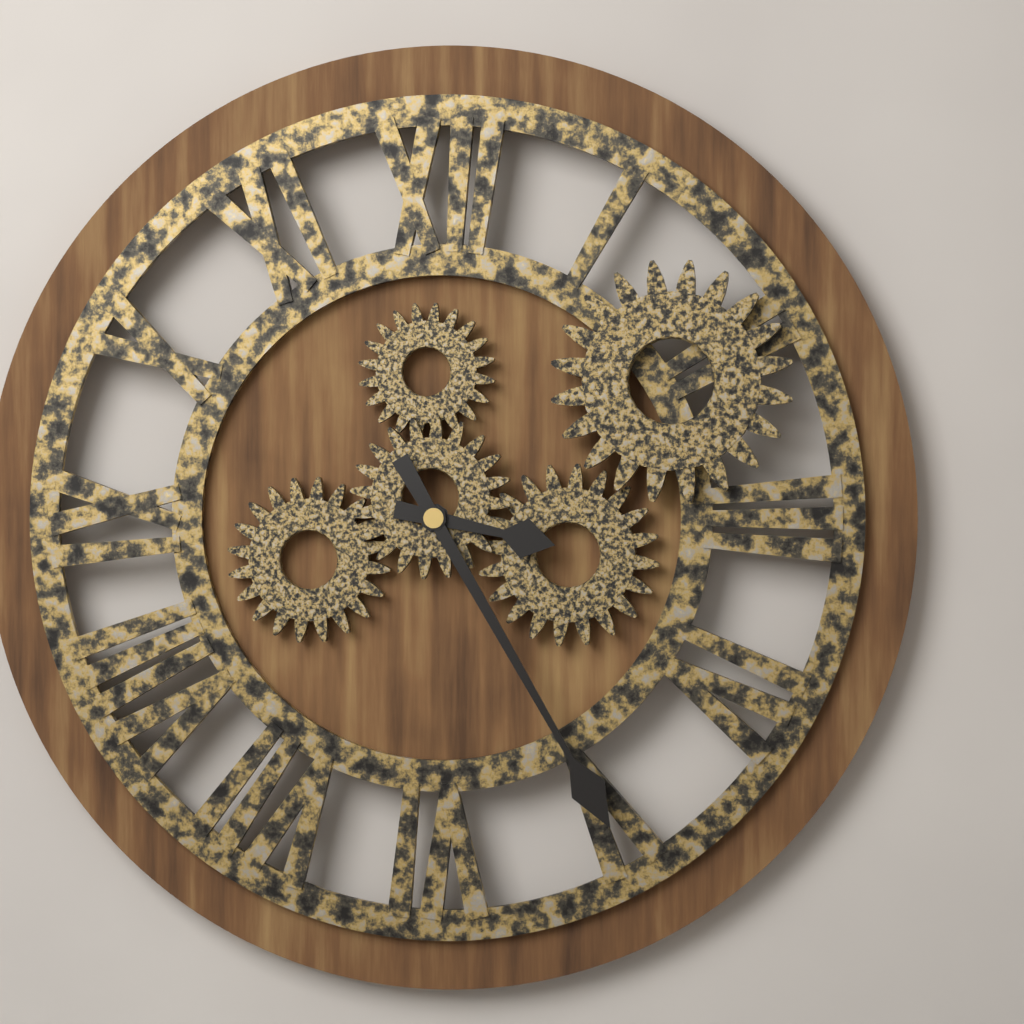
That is 3h25
